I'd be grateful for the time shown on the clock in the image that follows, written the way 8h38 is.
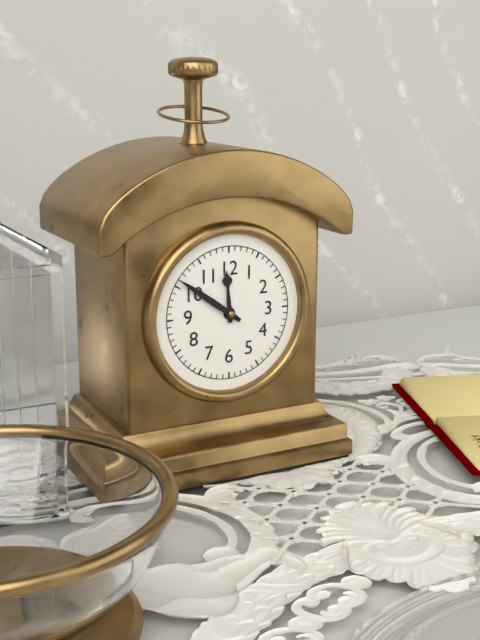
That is 11h51
